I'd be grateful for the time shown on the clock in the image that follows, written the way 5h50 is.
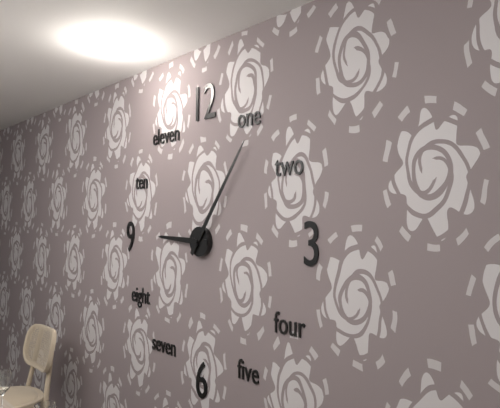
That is 9h06
